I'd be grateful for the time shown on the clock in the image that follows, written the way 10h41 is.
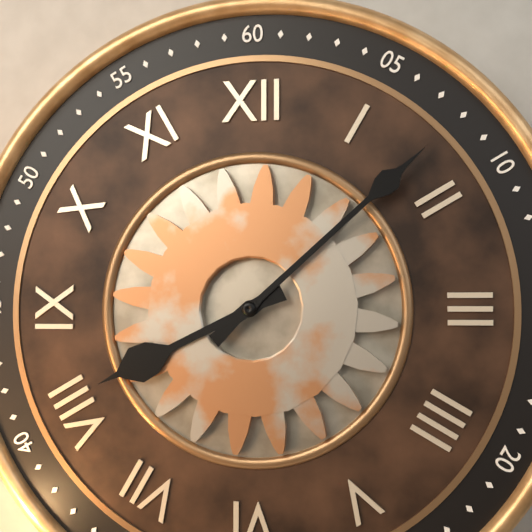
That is 8h08
